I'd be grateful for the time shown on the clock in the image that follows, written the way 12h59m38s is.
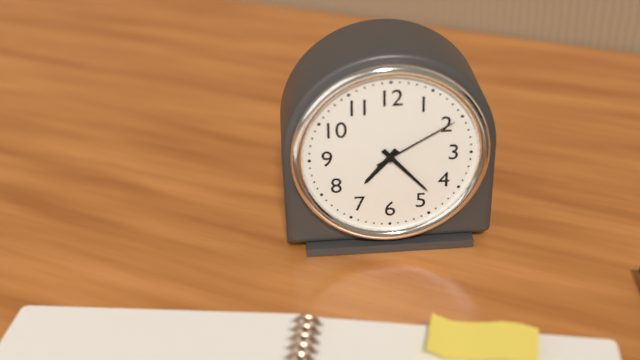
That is 7h23m10s
